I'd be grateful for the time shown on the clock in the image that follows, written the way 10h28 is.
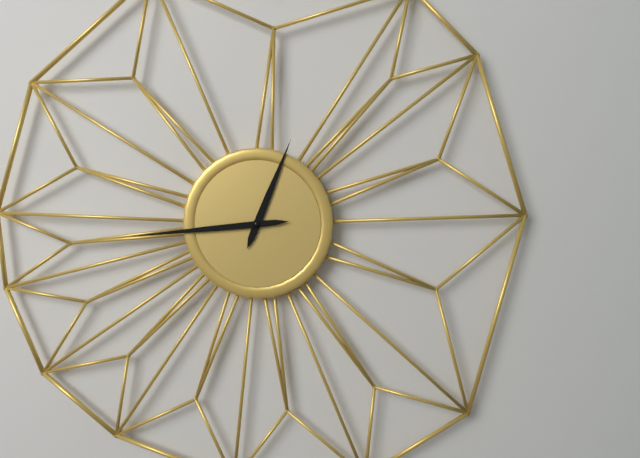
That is 12h44
